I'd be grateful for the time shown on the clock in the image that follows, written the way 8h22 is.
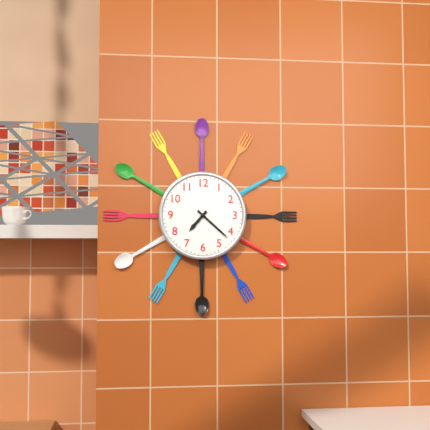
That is 7h22
